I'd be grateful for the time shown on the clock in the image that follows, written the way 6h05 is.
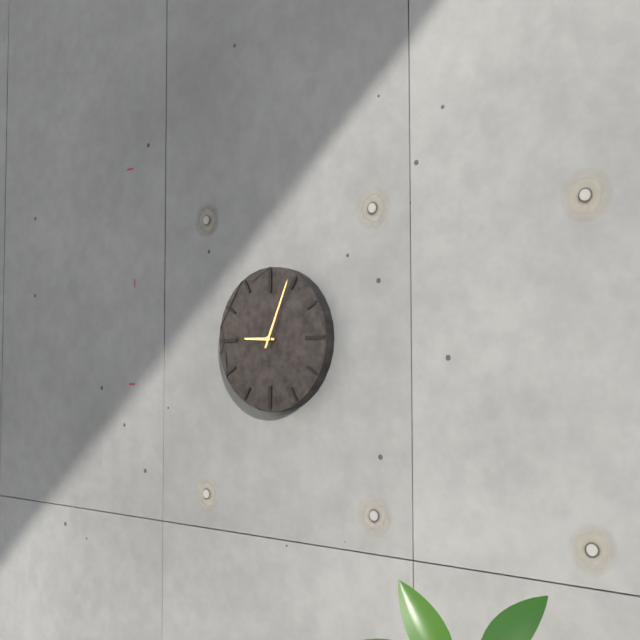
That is 9h04
